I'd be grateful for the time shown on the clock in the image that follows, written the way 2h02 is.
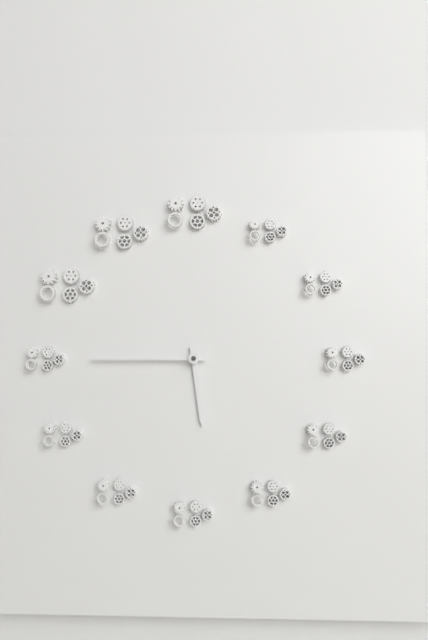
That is 5h45
